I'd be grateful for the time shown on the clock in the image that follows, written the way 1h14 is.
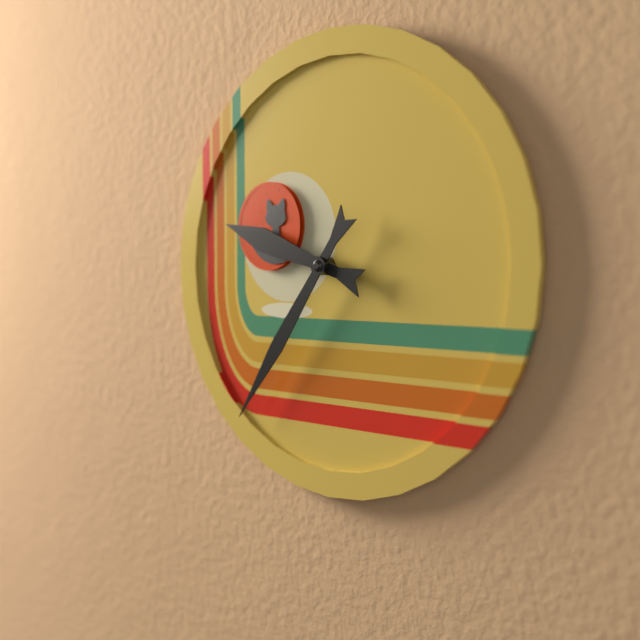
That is 9h36
